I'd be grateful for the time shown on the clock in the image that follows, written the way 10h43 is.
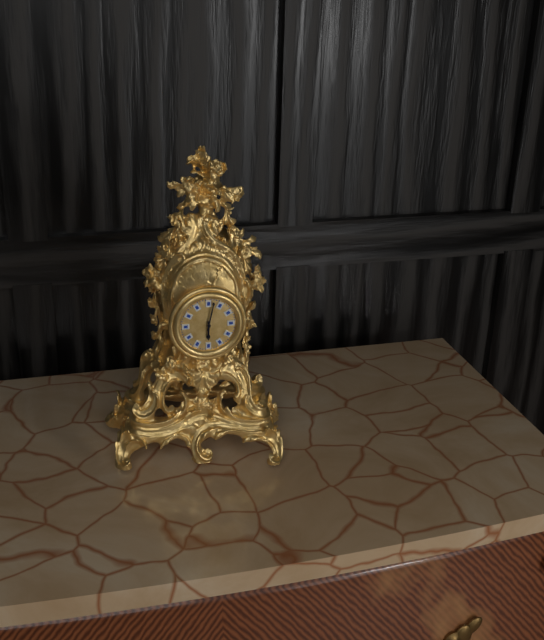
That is 6h02
